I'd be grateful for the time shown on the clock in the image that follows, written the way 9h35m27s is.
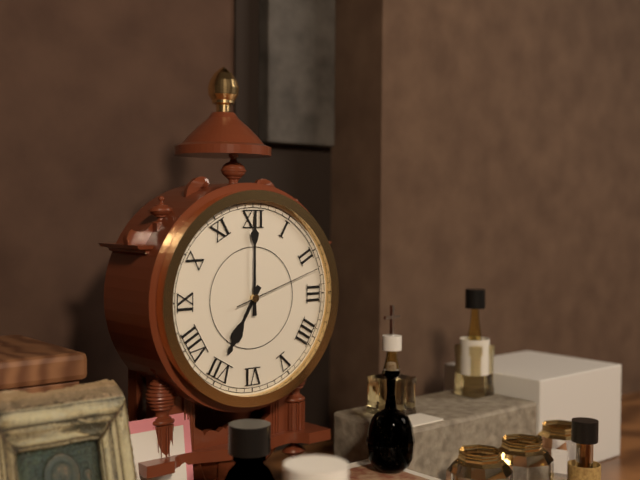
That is 7h00m12s
